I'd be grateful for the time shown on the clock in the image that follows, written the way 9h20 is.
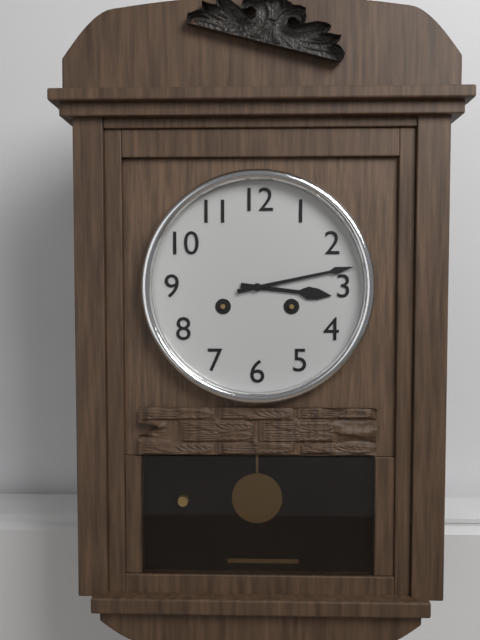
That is 3h13
